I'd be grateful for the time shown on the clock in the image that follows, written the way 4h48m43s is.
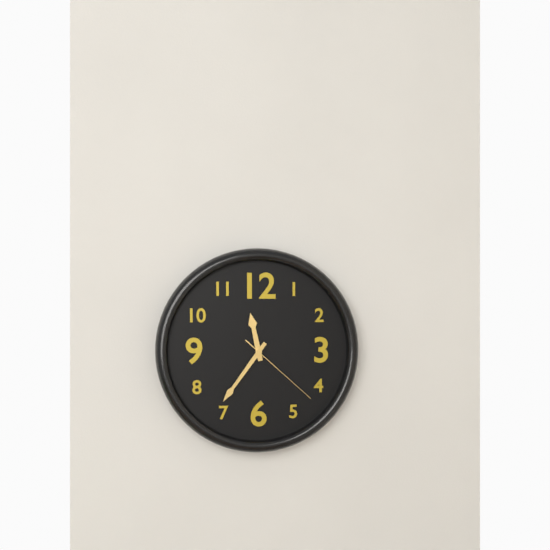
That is 11h36m22s
